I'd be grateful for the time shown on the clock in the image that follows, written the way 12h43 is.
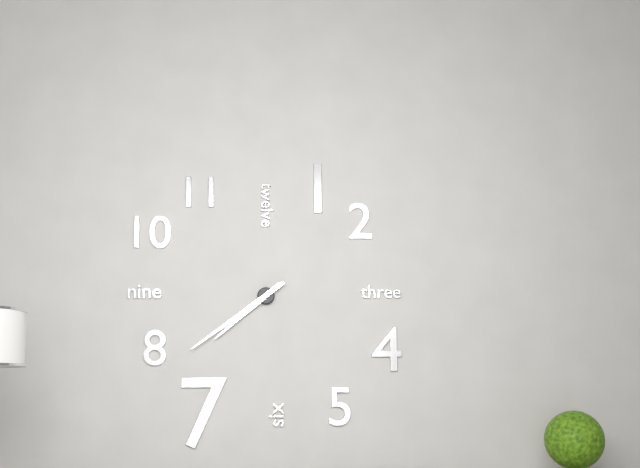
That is 7h39
